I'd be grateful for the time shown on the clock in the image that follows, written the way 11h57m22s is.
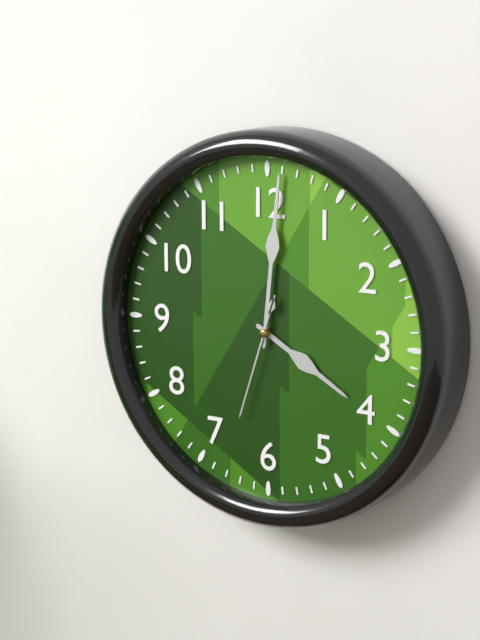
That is 4h01m33s
